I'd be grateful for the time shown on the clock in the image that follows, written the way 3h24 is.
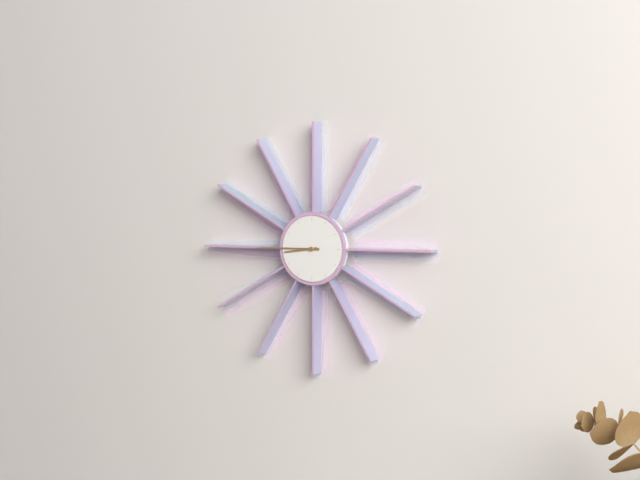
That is 8h45
